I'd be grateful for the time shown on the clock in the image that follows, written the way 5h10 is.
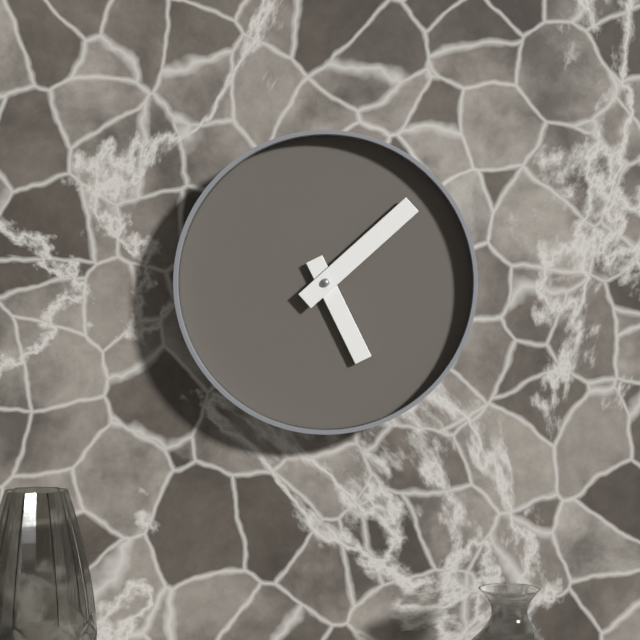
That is 5h08
